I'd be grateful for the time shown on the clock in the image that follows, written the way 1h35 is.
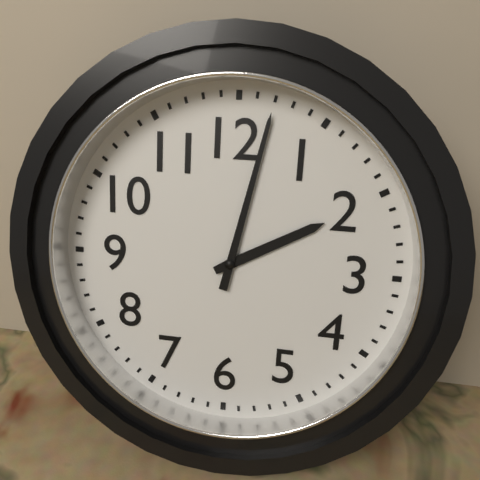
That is 2h02
